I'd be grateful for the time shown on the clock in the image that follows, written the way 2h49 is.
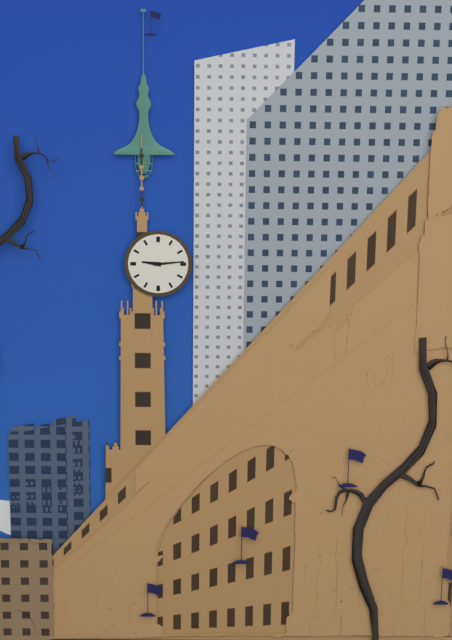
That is 9h14
